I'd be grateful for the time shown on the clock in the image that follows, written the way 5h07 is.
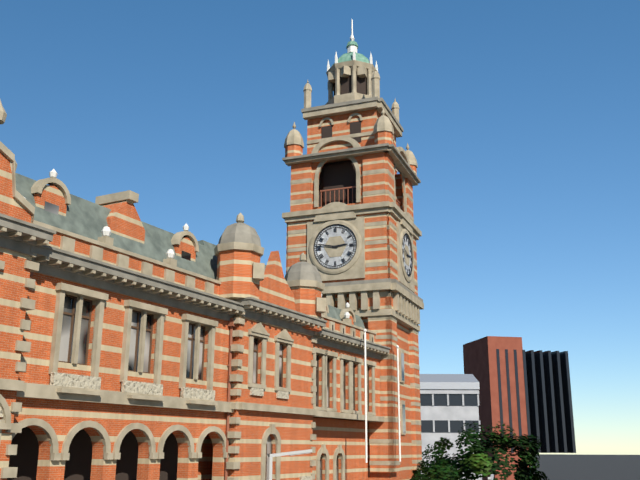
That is 2h47
